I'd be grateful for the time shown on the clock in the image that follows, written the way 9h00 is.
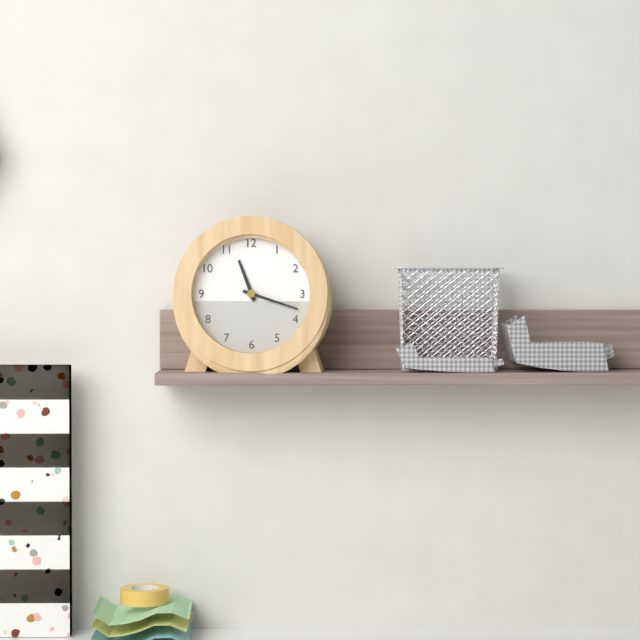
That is 11h18
